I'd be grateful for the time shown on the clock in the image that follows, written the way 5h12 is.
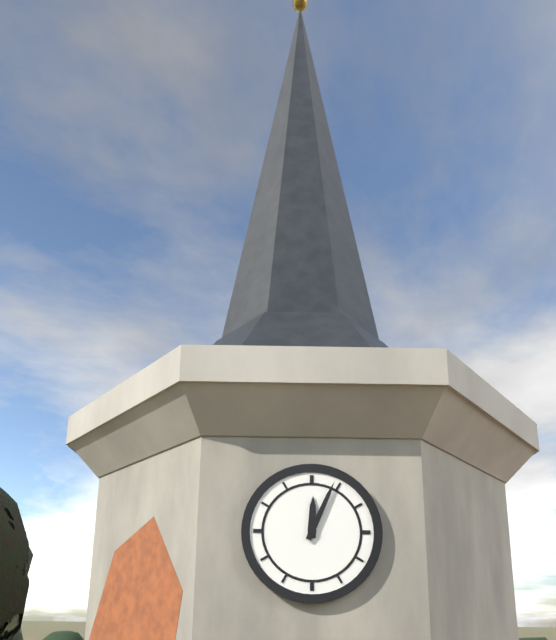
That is 12h04
